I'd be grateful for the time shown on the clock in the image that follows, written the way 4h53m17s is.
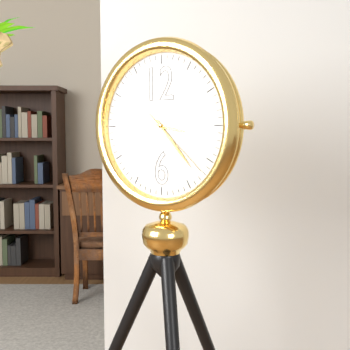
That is 3h23m22s
